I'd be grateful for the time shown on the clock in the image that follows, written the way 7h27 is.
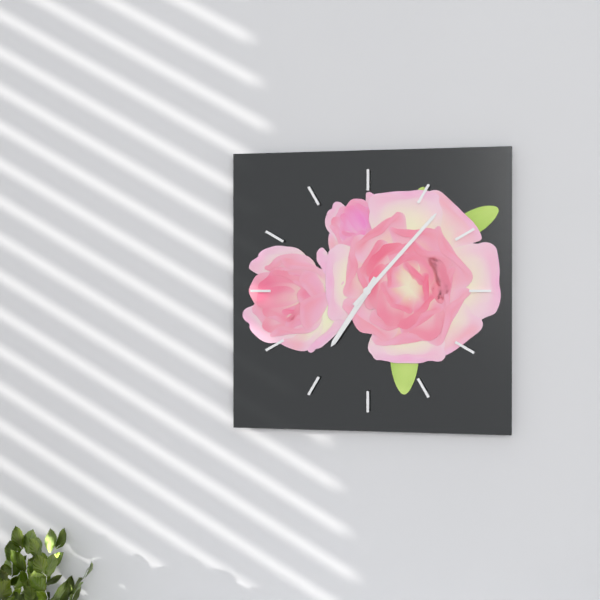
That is 7h07
